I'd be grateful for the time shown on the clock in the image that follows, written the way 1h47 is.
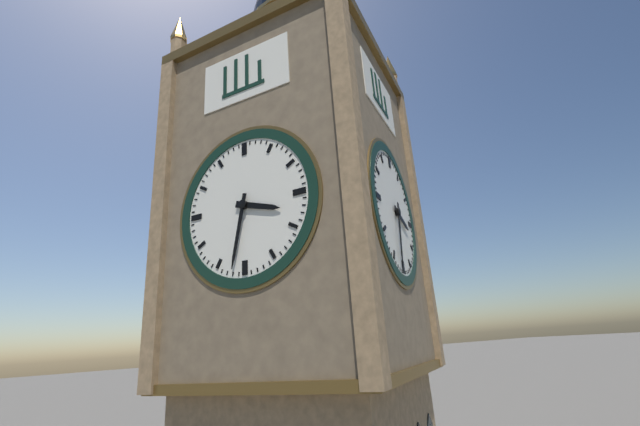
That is 3h32
